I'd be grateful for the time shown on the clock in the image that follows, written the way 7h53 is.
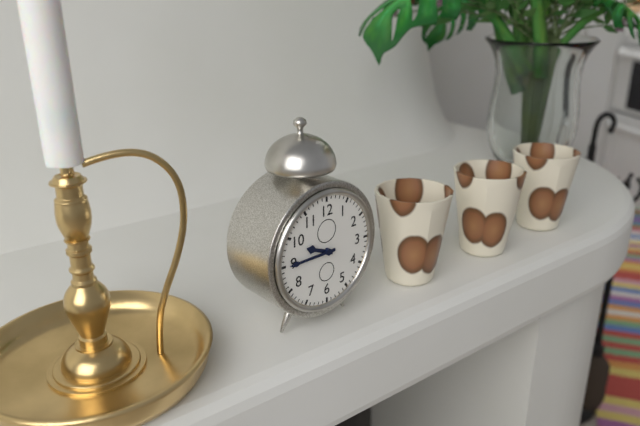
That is 9h45
